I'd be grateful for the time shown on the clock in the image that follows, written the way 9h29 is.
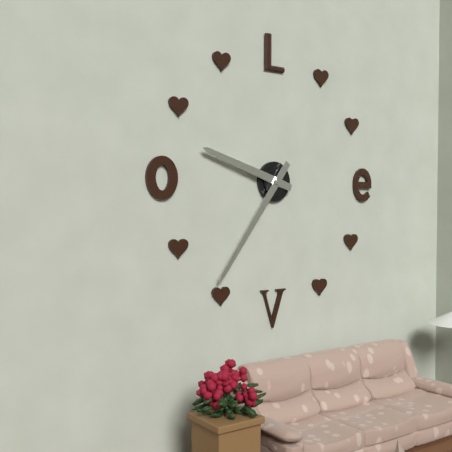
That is 9h36
